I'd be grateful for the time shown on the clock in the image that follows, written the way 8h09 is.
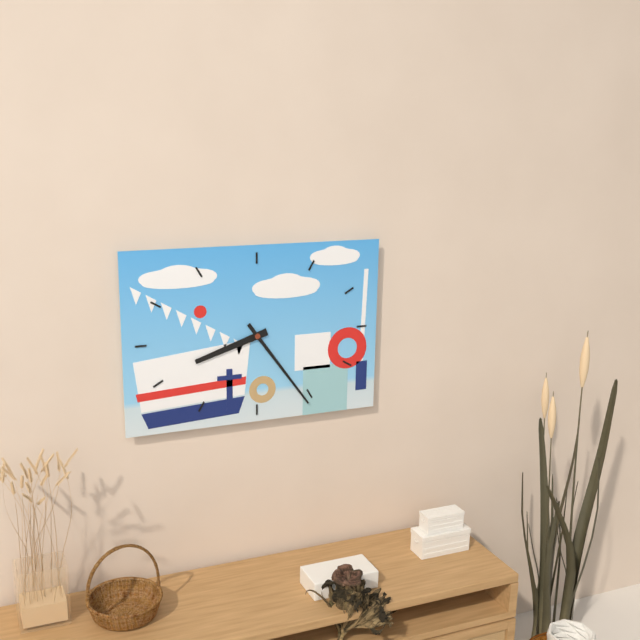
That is 8h24
